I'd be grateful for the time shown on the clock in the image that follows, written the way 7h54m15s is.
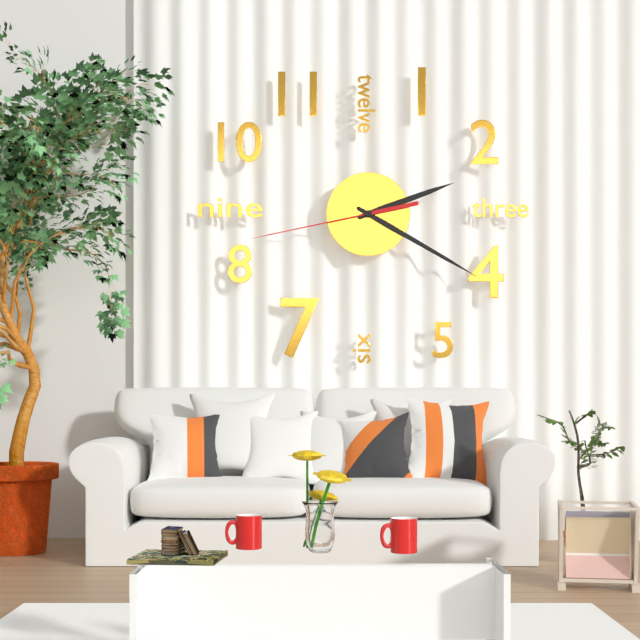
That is 2h20m43s
